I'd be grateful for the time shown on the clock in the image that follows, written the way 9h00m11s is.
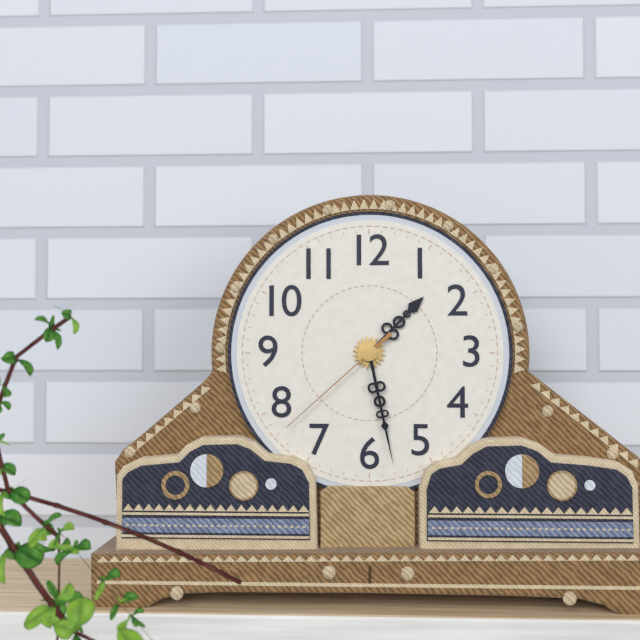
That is 1h28m38s
